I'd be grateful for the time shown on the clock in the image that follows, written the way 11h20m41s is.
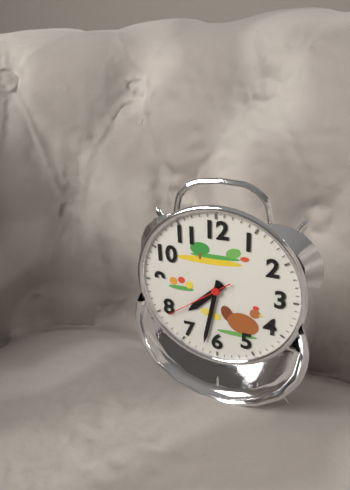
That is 7h32m39s
